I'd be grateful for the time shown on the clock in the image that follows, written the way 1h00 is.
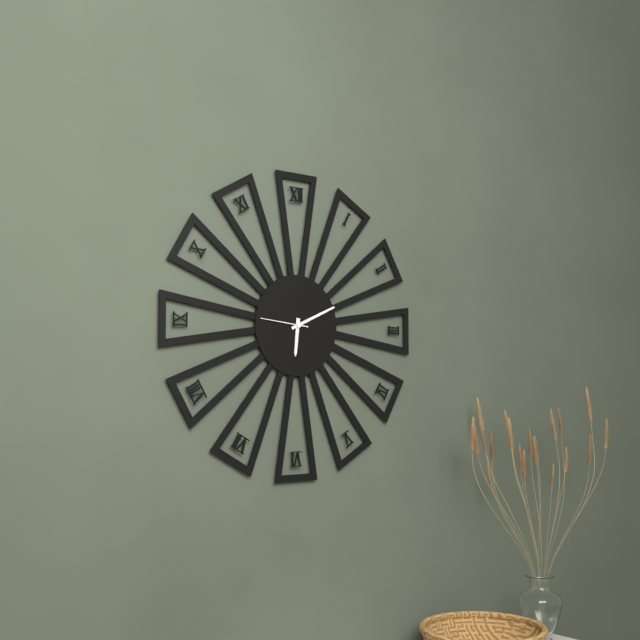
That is 6h11
